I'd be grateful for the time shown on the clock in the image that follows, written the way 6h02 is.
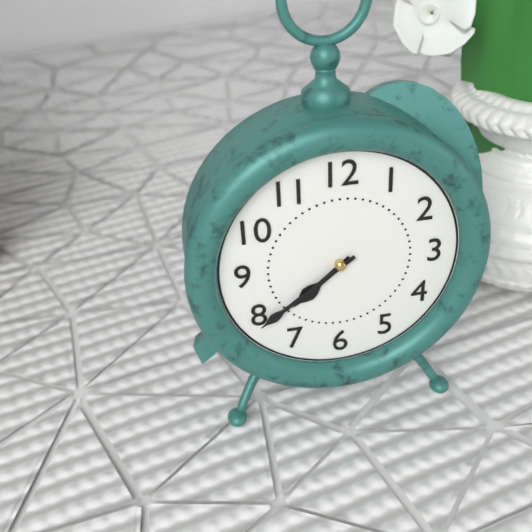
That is 7h39
